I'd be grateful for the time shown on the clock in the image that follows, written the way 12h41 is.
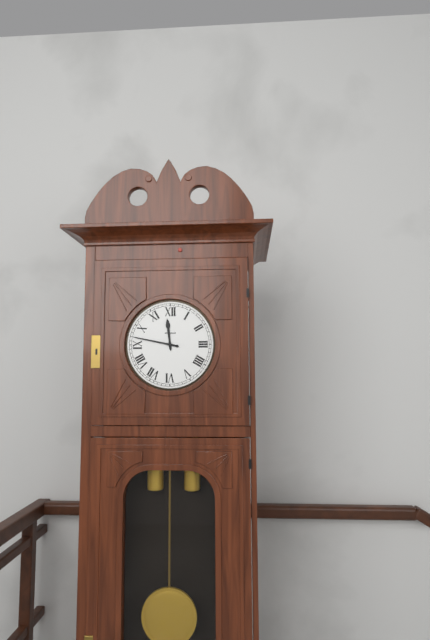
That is 11h47
